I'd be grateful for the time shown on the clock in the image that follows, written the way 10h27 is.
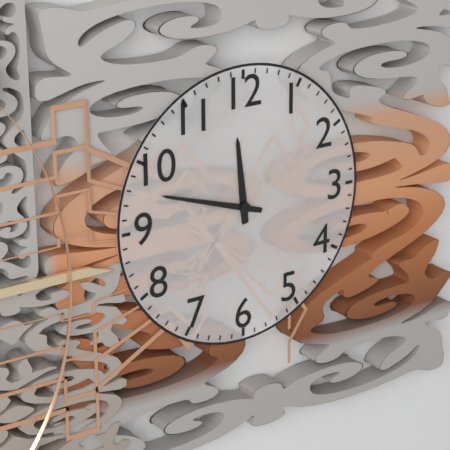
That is 11h48
